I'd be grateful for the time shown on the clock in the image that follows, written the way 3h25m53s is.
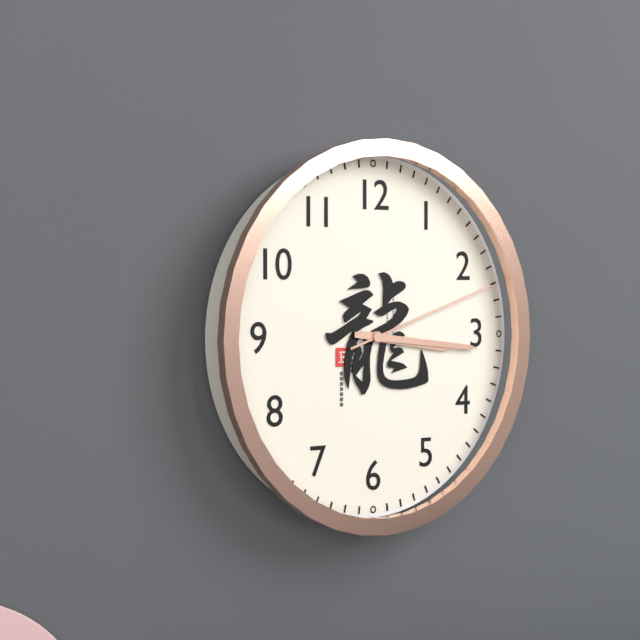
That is 3h16m12s
